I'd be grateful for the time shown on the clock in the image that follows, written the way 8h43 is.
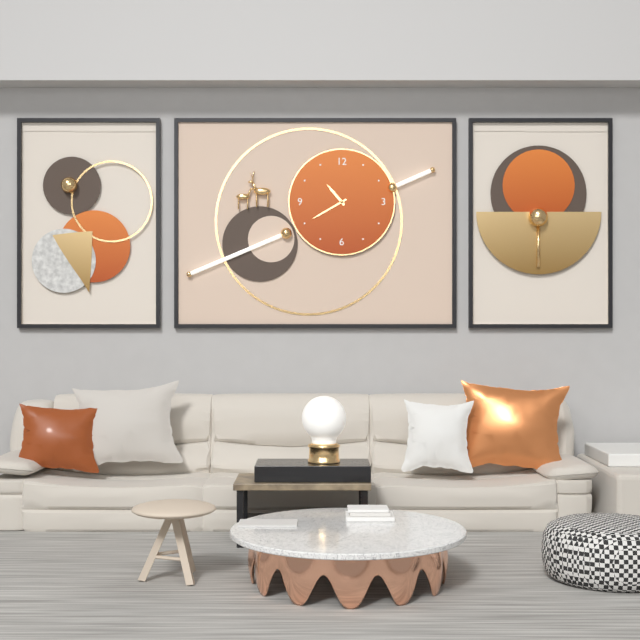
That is 10h40
